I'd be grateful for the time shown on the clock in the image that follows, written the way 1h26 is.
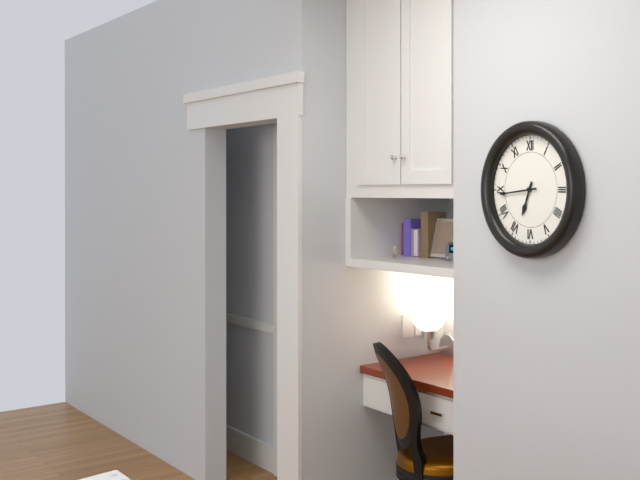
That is 6h44
